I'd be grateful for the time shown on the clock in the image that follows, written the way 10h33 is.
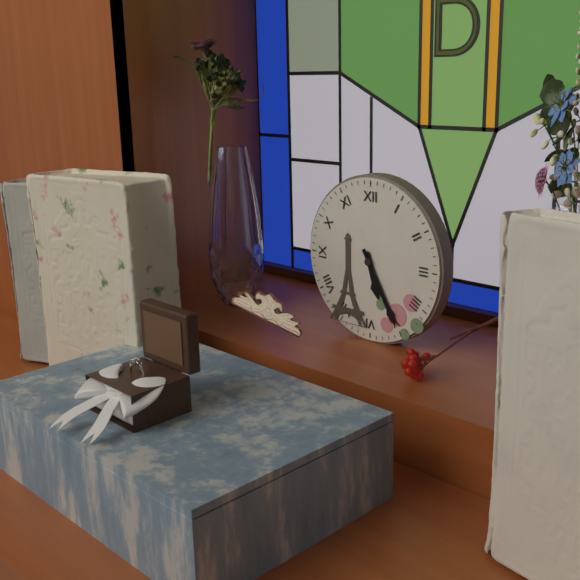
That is 5h25
